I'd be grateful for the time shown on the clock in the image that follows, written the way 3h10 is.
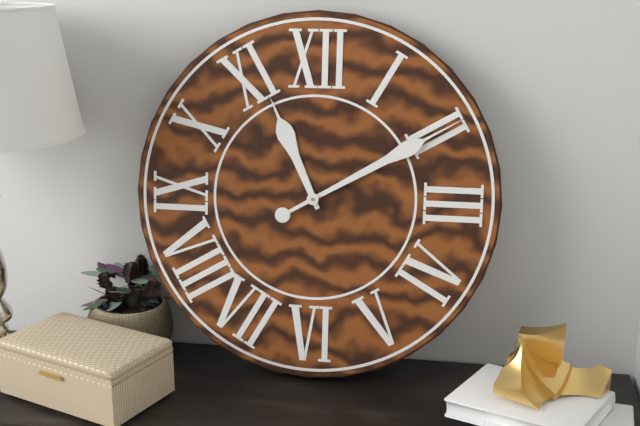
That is 11h10
